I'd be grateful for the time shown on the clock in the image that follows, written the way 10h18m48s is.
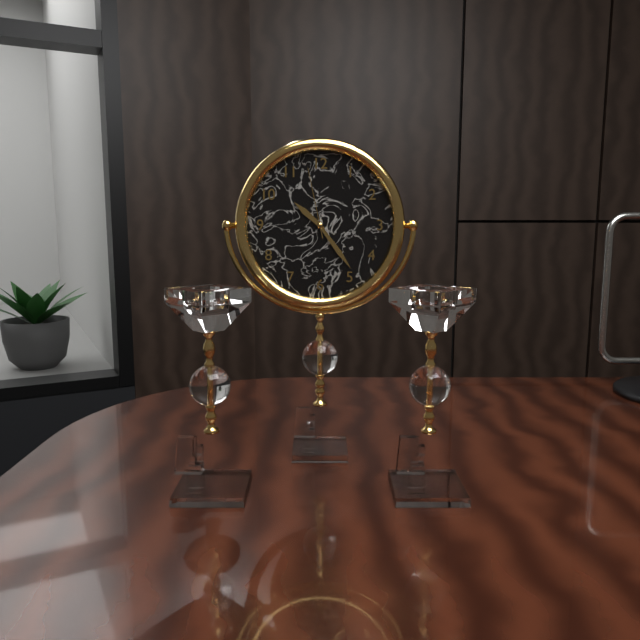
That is 10h24m58s
